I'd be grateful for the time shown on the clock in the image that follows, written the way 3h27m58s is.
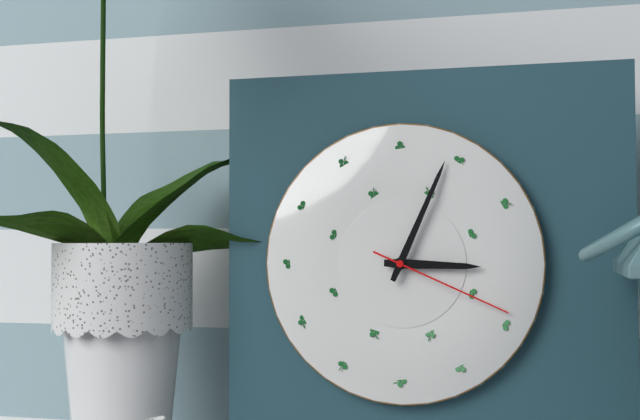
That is 3h04m19s
